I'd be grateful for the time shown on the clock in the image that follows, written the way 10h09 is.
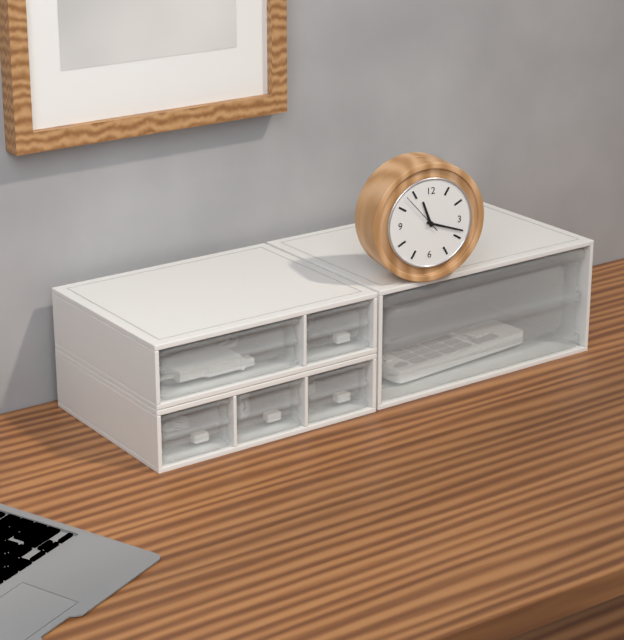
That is 11h18
